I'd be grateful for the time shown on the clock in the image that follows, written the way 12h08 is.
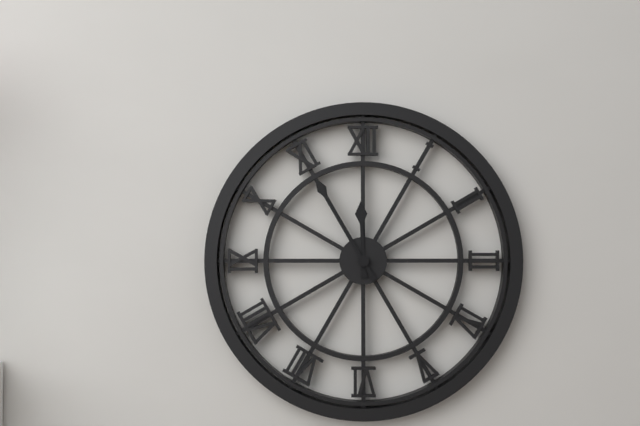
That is 11h55
